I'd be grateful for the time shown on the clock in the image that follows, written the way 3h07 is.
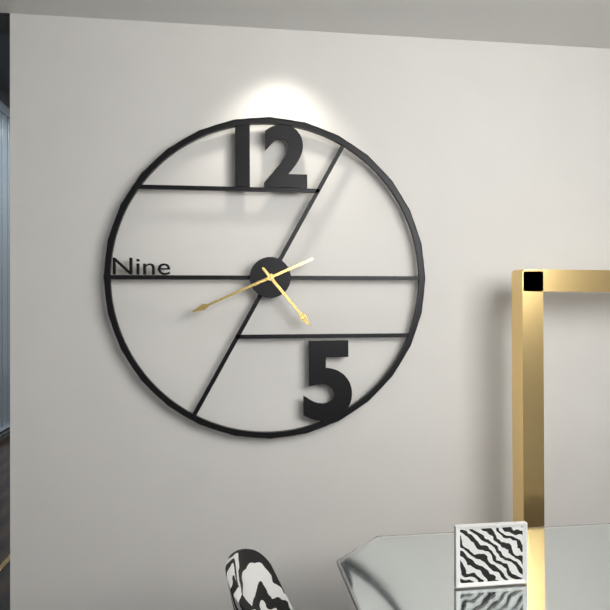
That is 4h41
